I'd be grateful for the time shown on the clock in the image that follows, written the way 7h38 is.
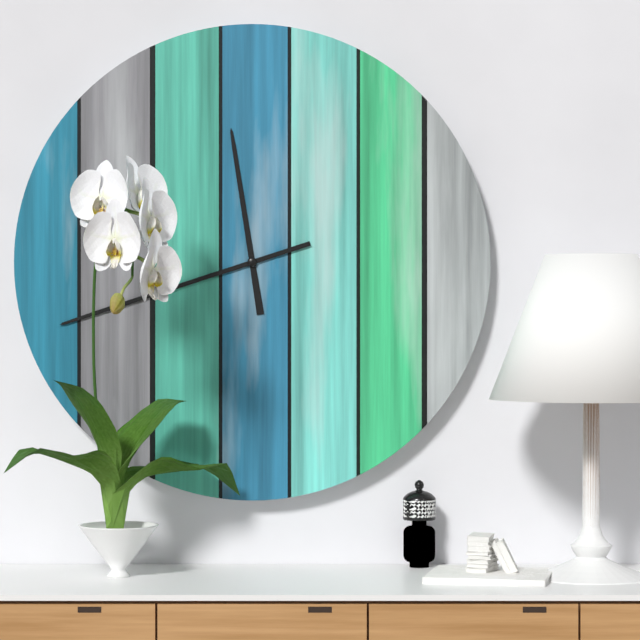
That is 11h42
